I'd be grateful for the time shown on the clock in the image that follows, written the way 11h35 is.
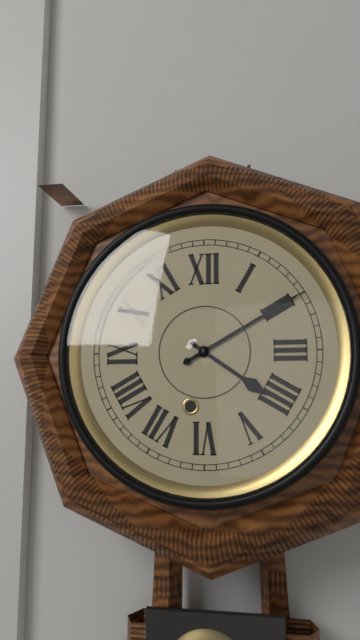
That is 4h10
